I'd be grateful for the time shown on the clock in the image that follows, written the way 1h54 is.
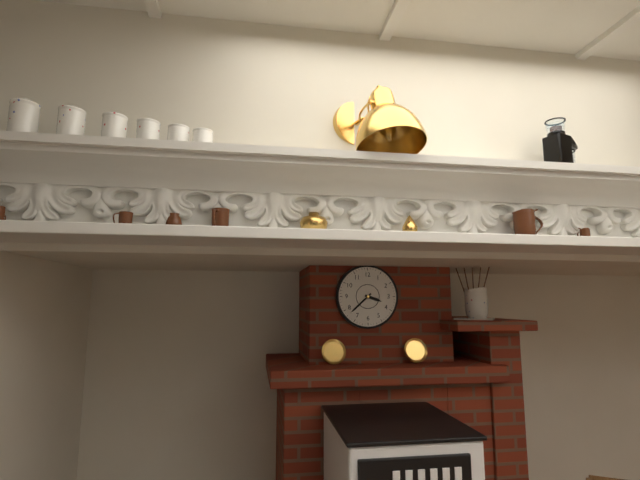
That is 3h38
